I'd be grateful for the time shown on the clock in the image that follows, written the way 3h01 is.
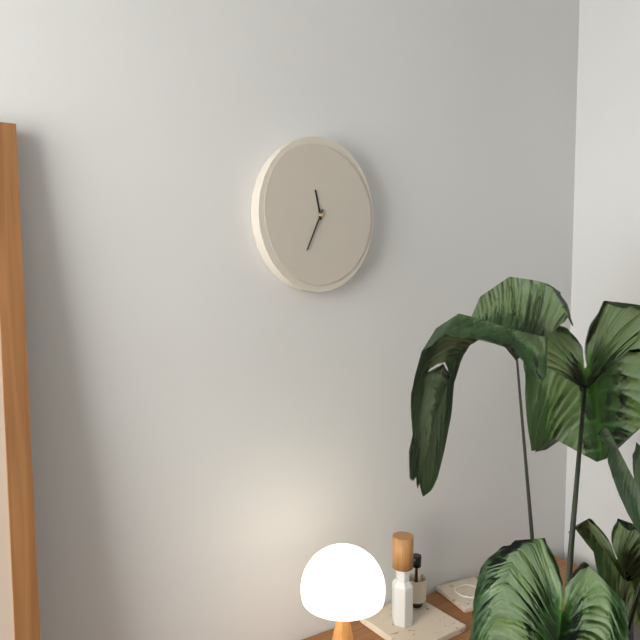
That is 11h34
